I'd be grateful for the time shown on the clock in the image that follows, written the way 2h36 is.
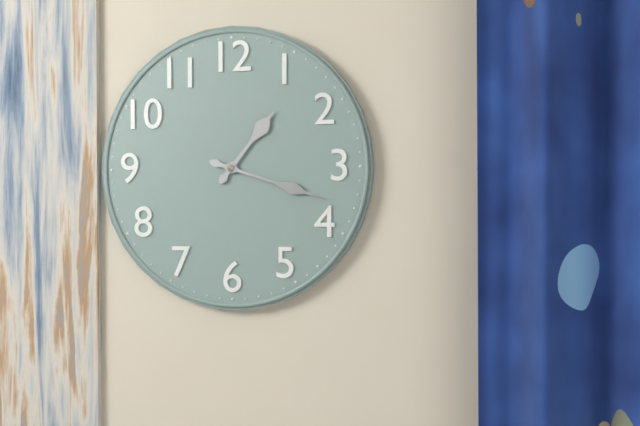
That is 1h18
